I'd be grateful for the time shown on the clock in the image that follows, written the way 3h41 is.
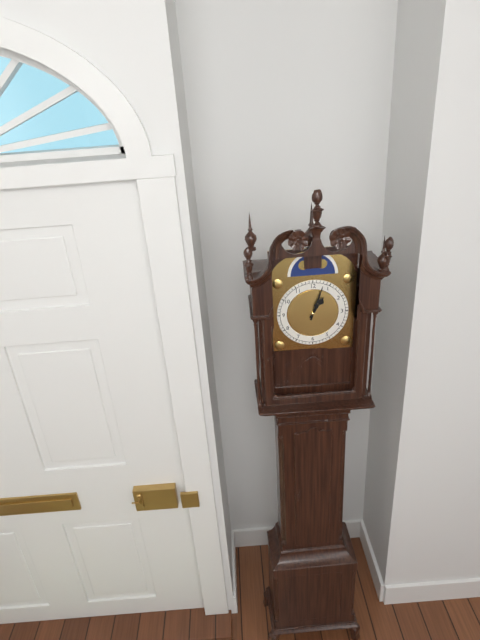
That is 1h03
